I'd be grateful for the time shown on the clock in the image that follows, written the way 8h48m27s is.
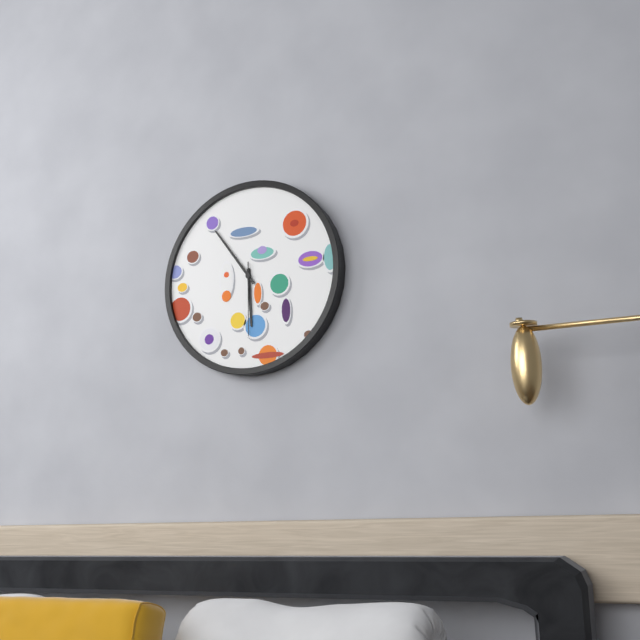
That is 5h54m30s
